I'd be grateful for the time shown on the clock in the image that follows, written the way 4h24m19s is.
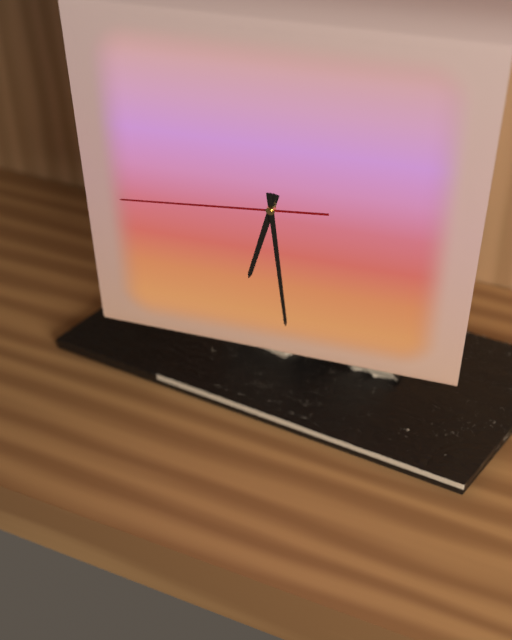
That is 6h29m44s
